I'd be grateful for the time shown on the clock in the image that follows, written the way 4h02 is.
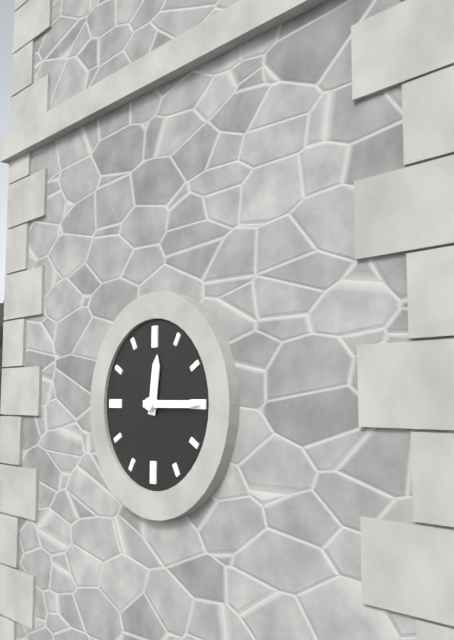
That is 12h15
